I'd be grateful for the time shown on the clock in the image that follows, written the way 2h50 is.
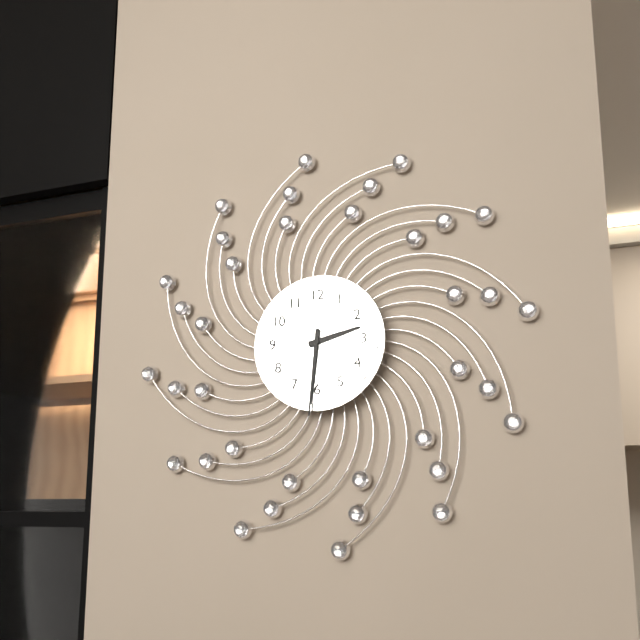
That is 2h31
